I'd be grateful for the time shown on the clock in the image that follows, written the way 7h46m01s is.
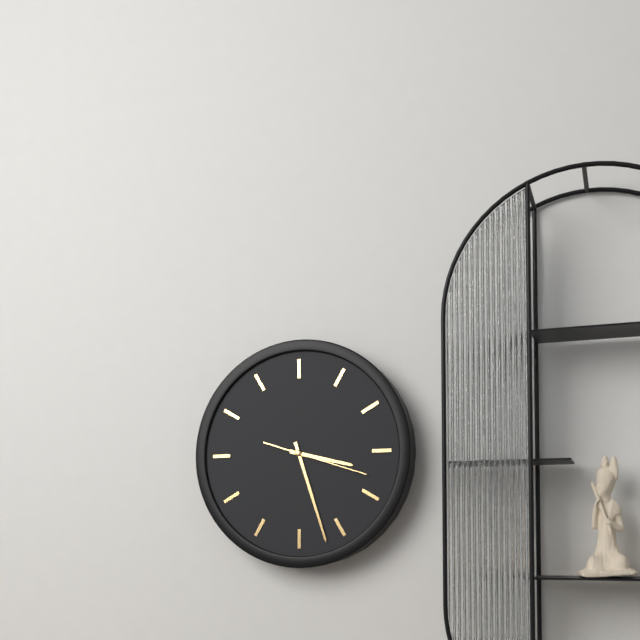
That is 3h27m18s
